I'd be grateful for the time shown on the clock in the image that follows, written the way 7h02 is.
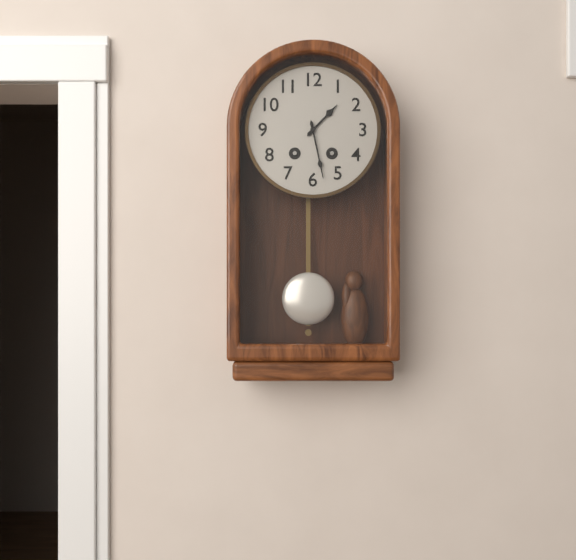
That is 1h28
